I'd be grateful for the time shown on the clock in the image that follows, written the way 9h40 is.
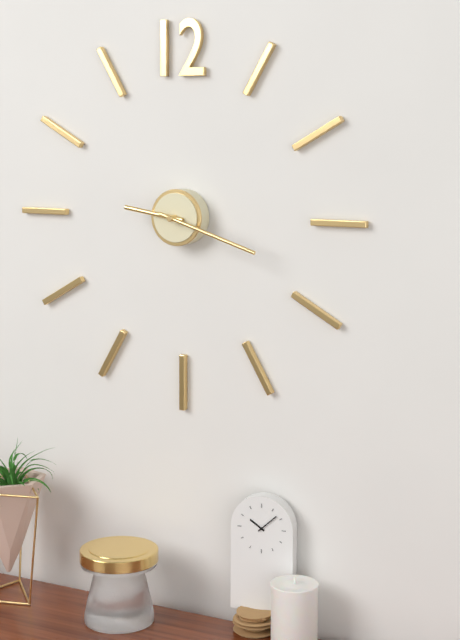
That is 9h18
